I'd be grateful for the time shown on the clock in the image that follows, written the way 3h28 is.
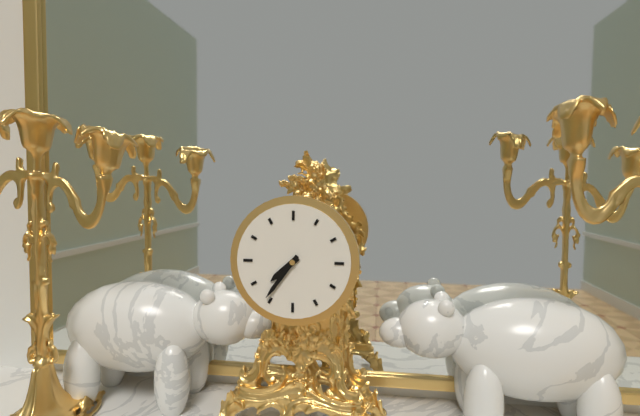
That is 7h36
